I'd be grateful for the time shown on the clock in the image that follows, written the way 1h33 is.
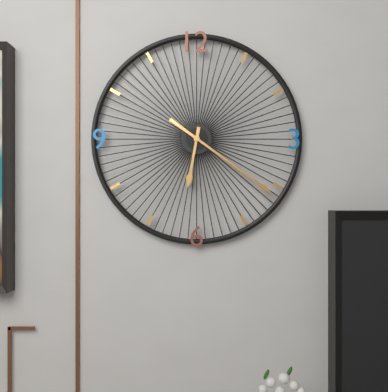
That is 6h21
